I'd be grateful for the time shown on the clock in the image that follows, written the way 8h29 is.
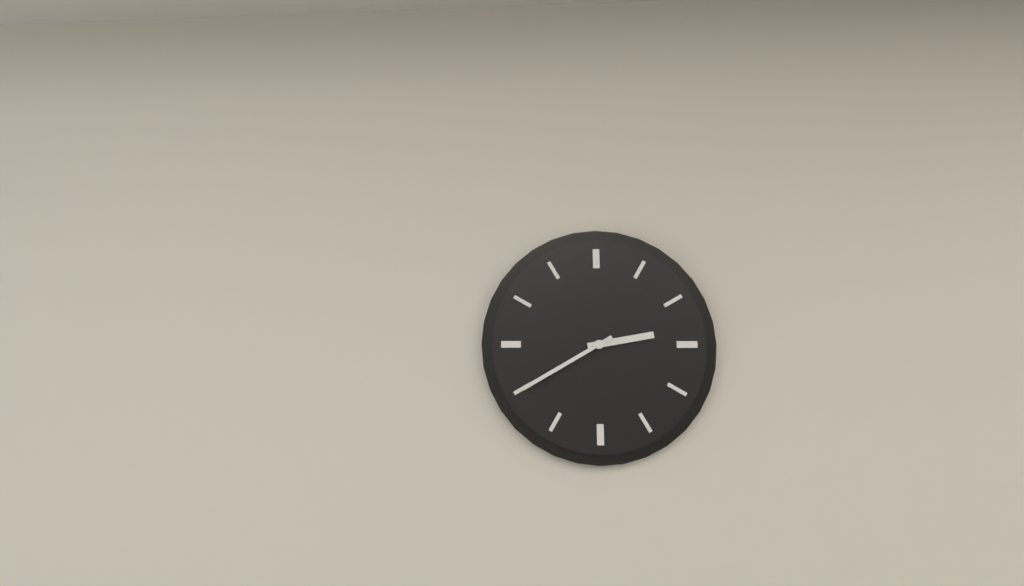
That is 2h40
